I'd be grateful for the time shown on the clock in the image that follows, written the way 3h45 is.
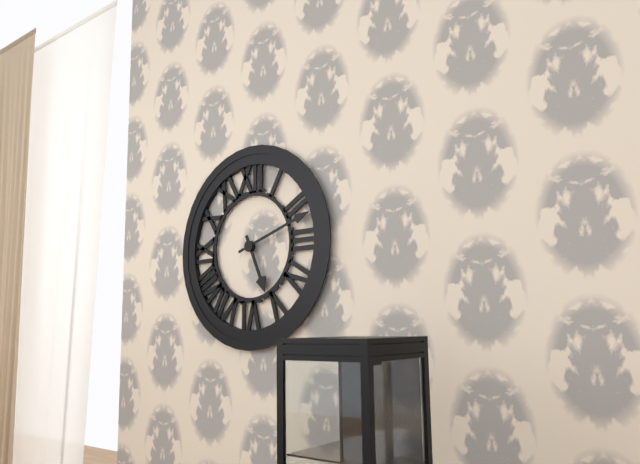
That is 5h12
